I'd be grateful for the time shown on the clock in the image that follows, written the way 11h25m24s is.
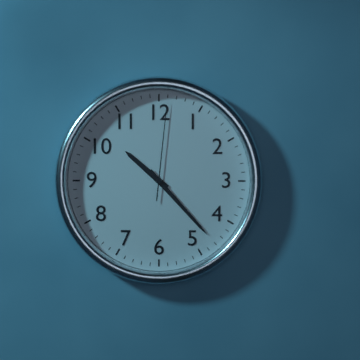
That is 10h23m01s
